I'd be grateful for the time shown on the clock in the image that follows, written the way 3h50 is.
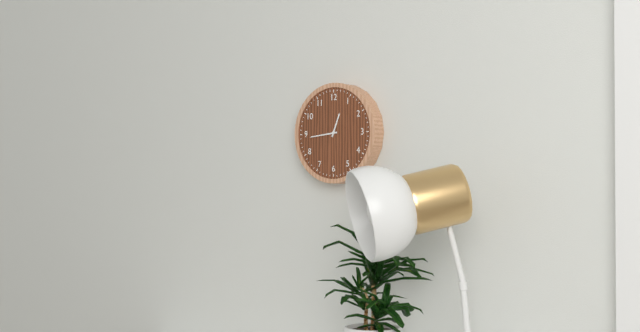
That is 12h44
